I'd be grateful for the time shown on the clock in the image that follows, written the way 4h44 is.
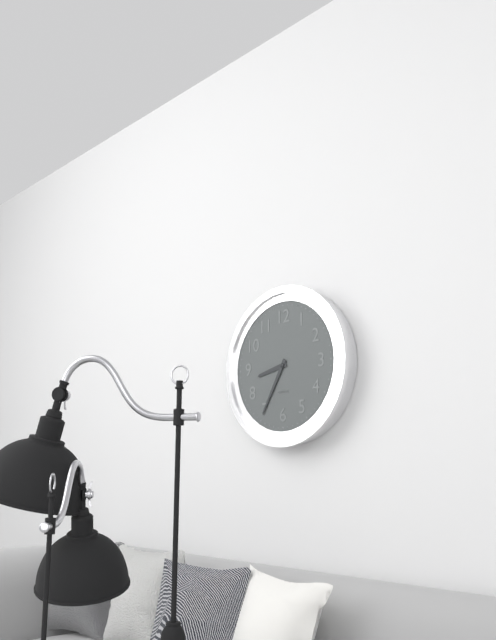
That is 8h35
